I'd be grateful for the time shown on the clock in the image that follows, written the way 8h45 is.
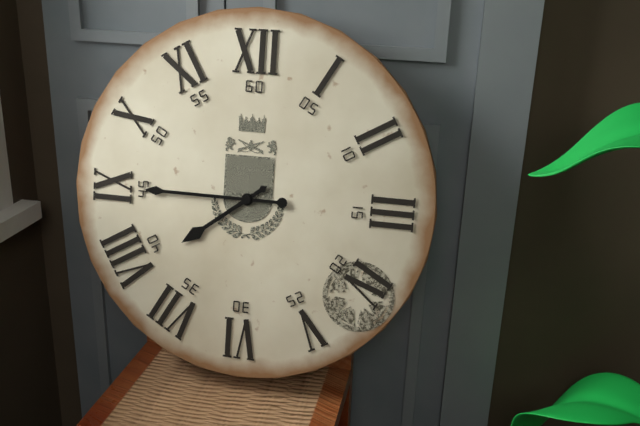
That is 7h45
